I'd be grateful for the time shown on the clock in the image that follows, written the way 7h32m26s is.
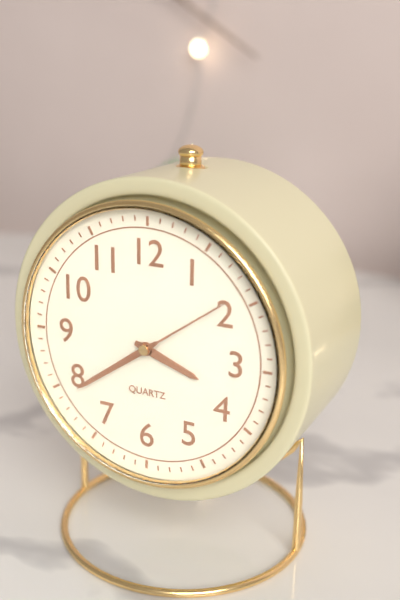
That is 3h39m09s
